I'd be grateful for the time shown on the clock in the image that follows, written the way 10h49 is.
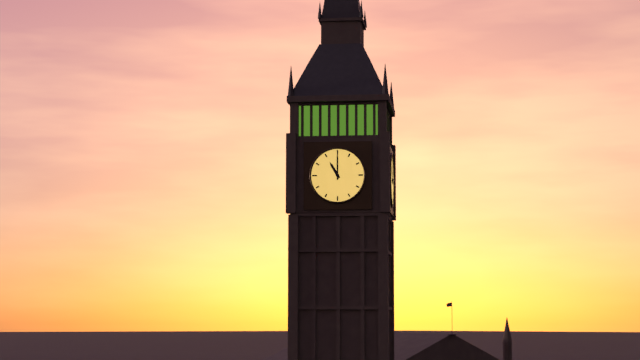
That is 11h00
